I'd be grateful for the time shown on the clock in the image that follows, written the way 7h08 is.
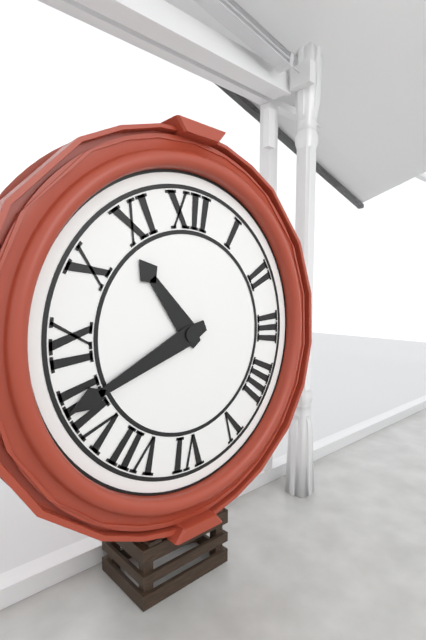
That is 10h41
